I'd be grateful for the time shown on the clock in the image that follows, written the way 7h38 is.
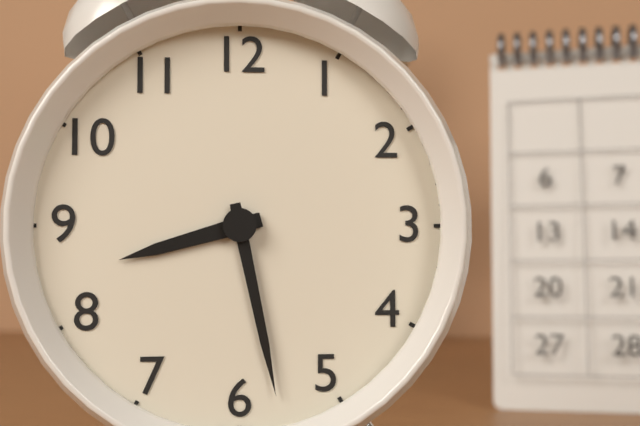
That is 8h28
